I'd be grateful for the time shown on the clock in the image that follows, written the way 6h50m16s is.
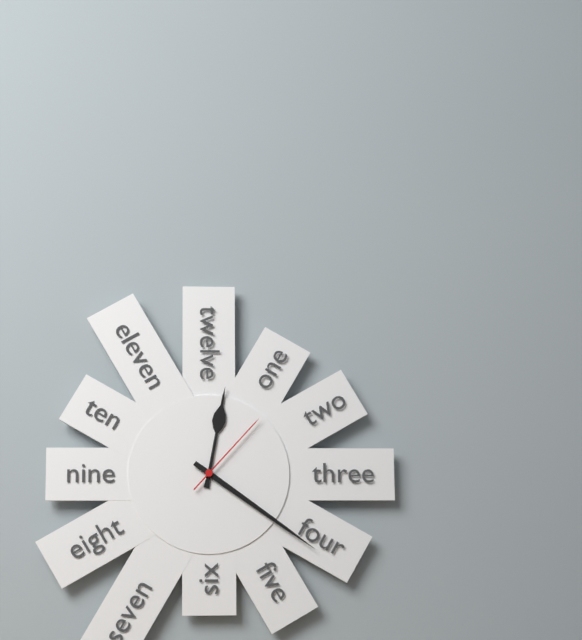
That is 12h21m07s
